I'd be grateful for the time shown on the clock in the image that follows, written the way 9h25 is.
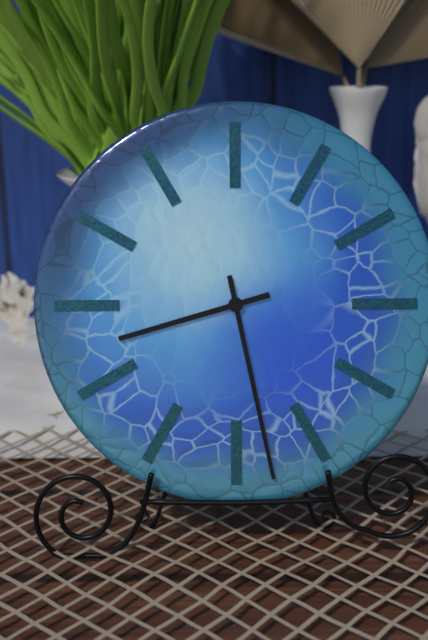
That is 8h28
